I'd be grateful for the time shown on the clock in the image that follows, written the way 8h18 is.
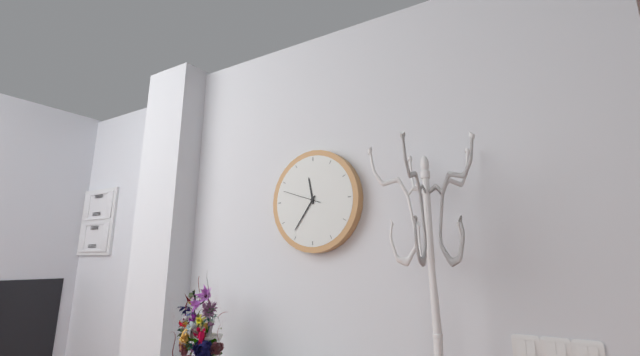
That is 11h36
